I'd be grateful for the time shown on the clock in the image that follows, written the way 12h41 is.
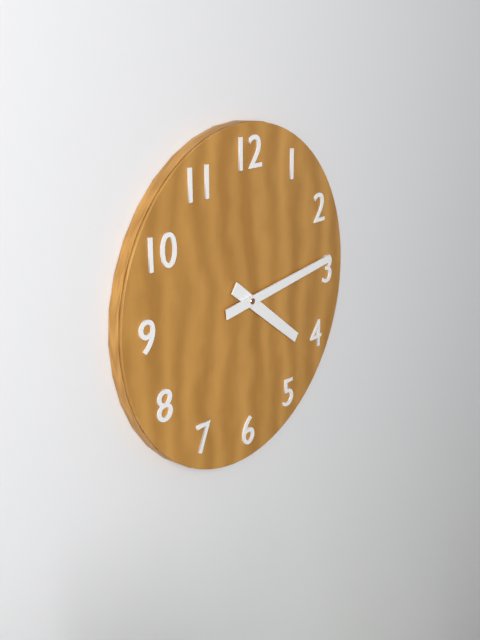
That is 4h14
